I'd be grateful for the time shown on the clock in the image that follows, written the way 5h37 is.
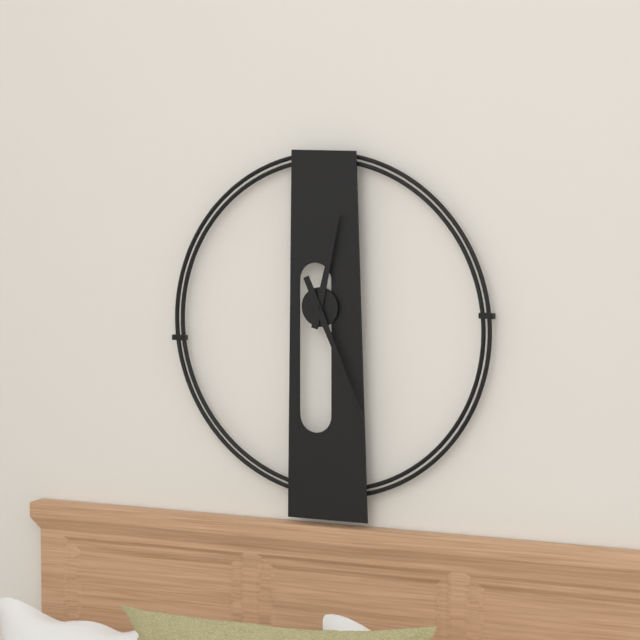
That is 12h26
